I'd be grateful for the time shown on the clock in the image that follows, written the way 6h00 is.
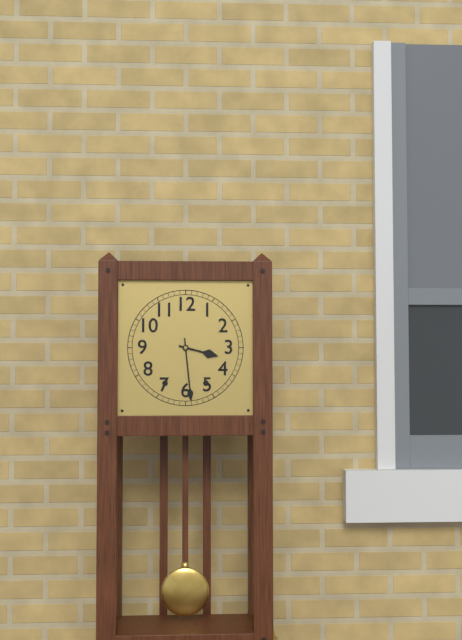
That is 3h29
